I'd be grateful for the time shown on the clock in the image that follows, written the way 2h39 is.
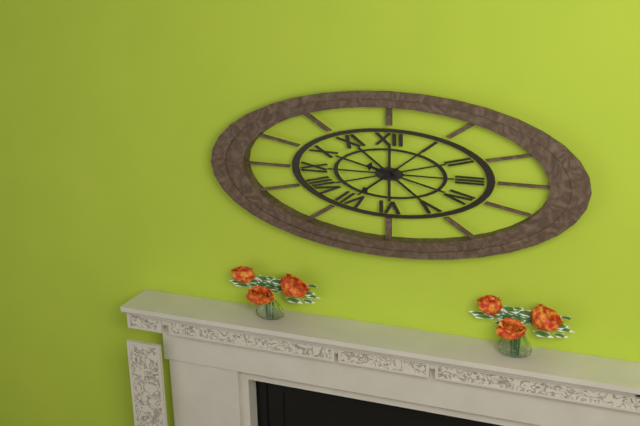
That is 9h39
